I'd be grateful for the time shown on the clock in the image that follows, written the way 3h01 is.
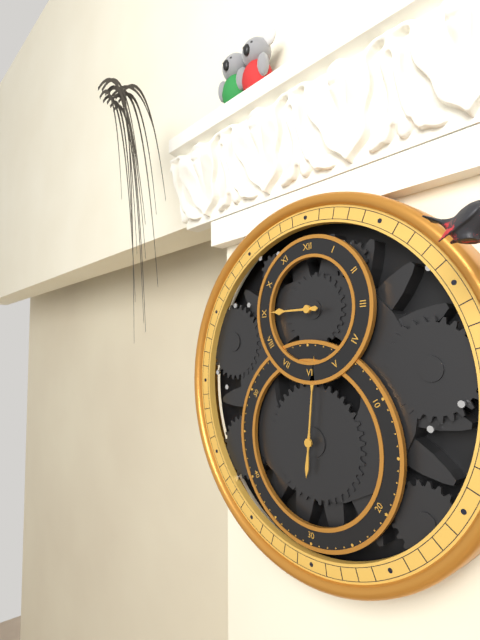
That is 9h01
